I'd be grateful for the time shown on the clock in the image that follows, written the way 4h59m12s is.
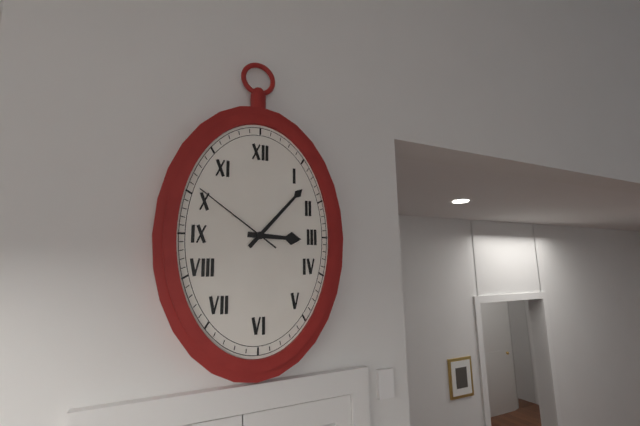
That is 3h07m51s
